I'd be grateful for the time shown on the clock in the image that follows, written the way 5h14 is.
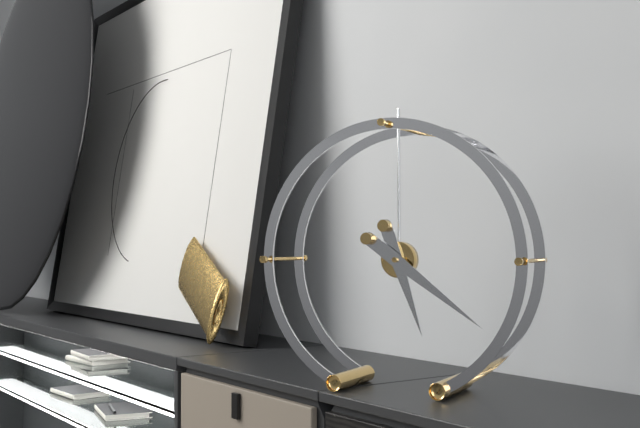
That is 5h21
